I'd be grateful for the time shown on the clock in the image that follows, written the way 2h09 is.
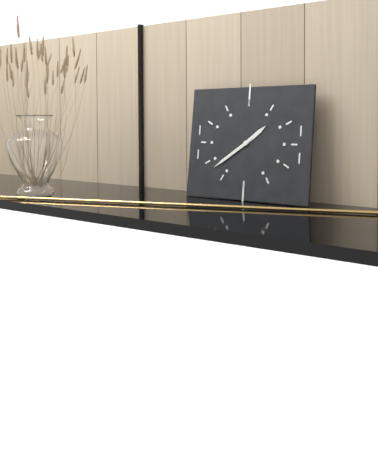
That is 1h39
